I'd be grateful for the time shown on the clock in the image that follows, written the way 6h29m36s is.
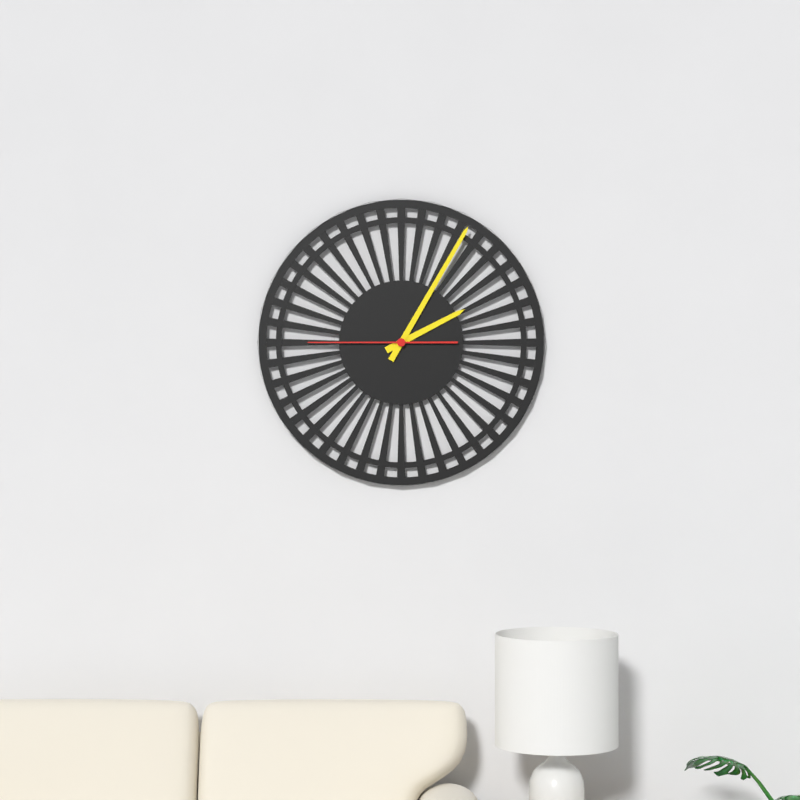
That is 2h05m45s
